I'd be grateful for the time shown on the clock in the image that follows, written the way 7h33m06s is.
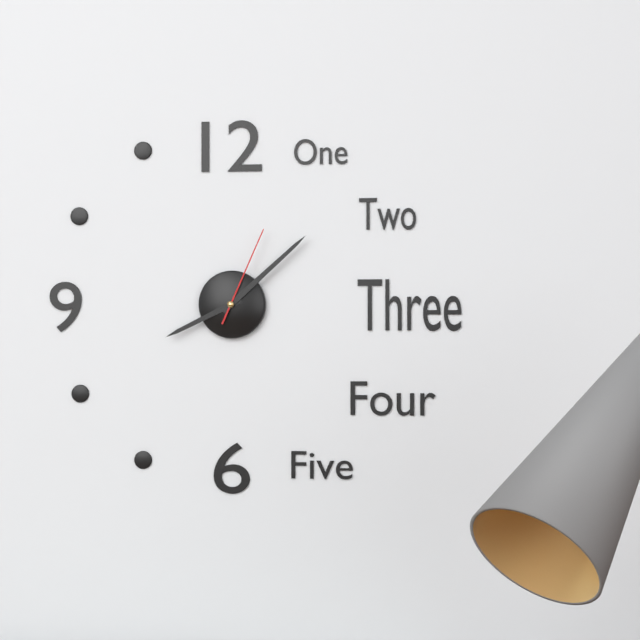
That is 8h08m04s
